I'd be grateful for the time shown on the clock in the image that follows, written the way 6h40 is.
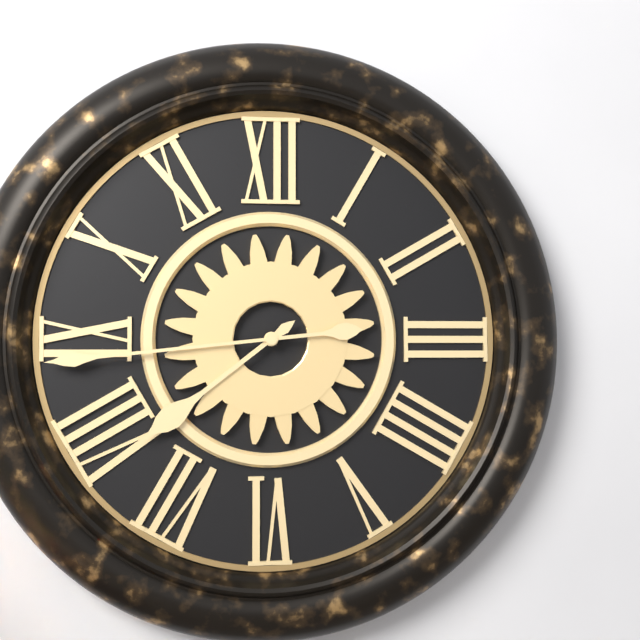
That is 7h44
